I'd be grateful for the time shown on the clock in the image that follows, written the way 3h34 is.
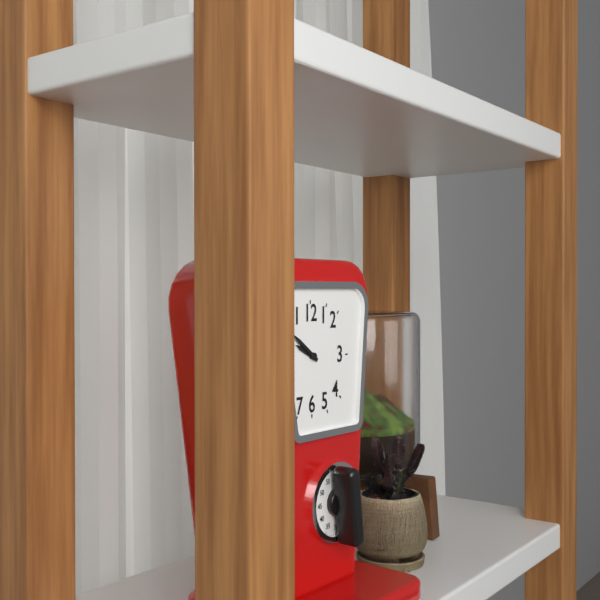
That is 9h51
